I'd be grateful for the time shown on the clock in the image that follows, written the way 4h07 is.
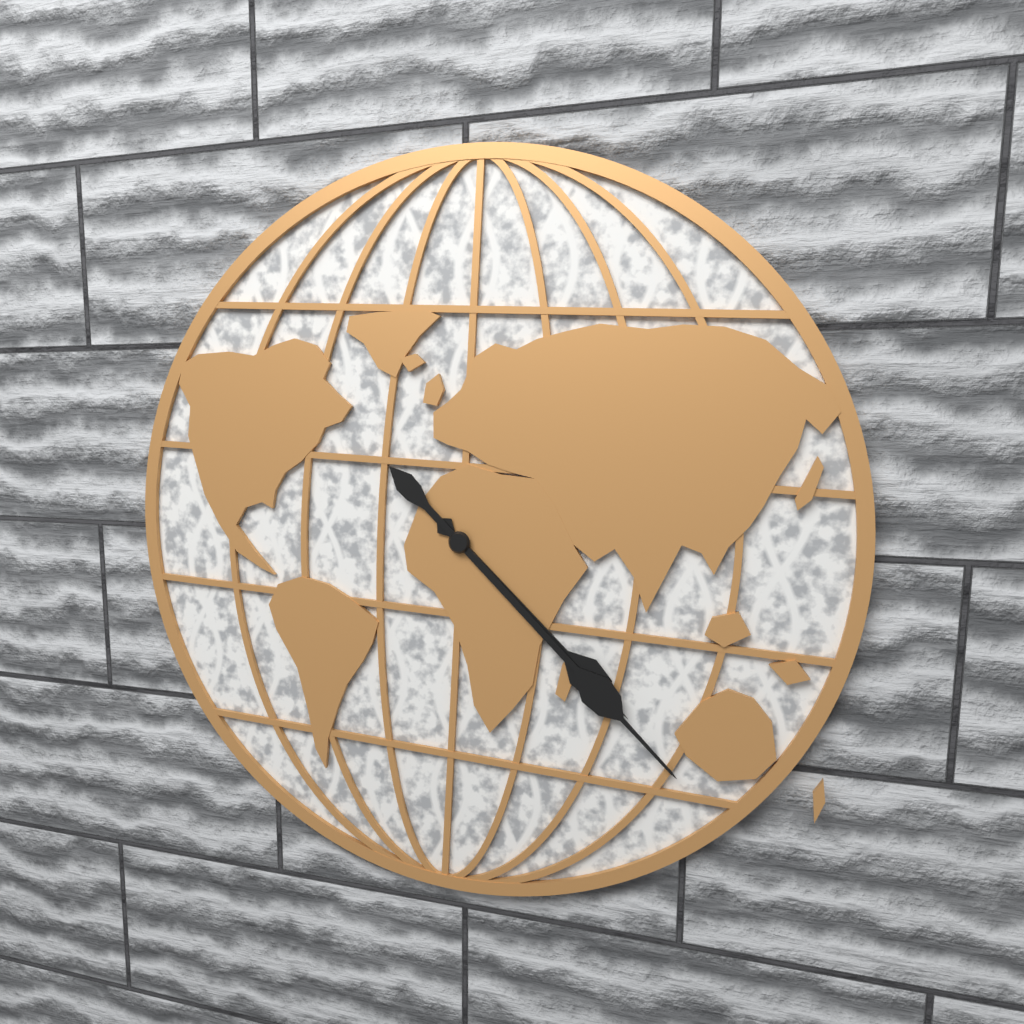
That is 4h22
